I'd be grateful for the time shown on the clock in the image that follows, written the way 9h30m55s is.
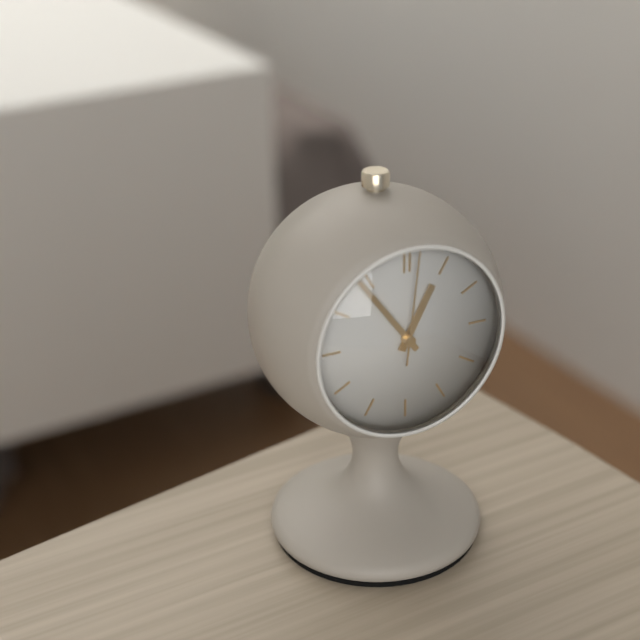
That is 12h54m01s
